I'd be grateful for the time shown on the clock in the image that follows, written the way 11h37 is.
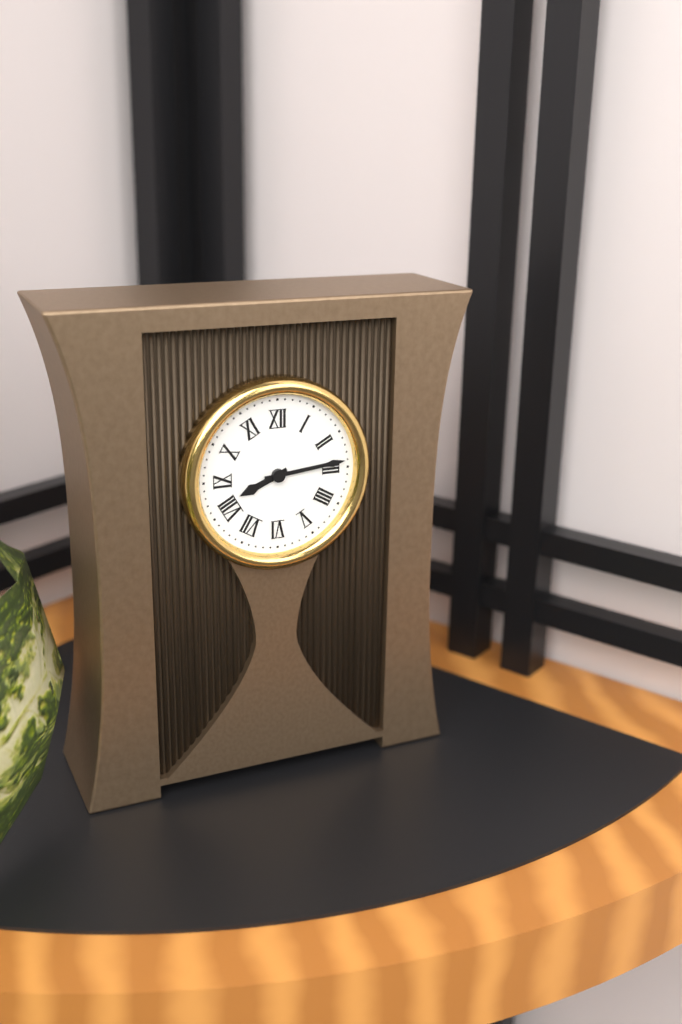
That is 8h14
